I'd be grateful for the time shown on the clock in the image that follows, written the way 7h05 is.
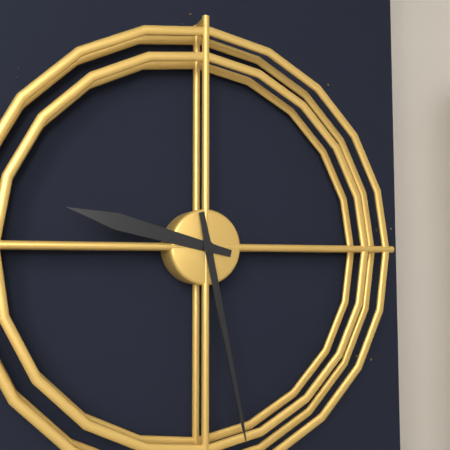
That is 9h28
